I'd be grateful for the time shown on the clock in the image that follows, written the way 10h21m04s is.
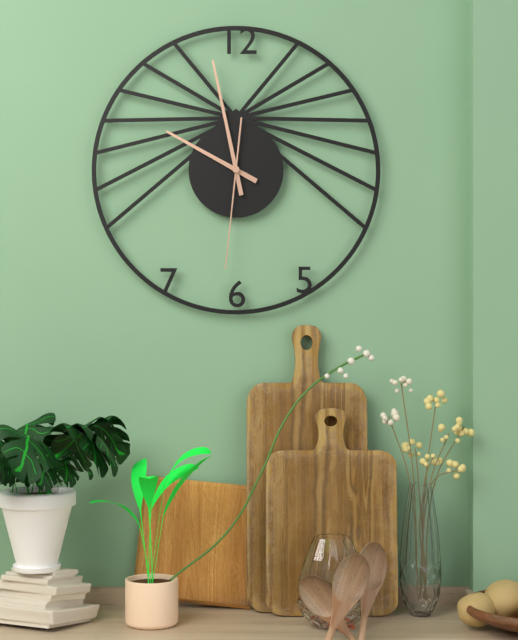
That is 9h58m31s
